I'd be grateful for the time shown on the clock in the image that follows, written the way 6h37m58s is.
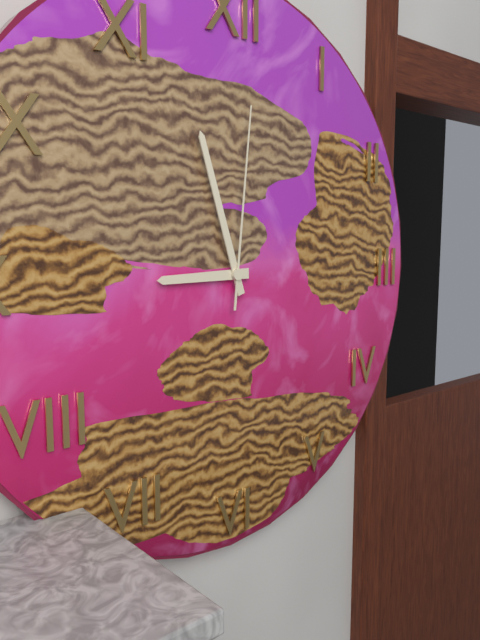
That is 8h57m01s
